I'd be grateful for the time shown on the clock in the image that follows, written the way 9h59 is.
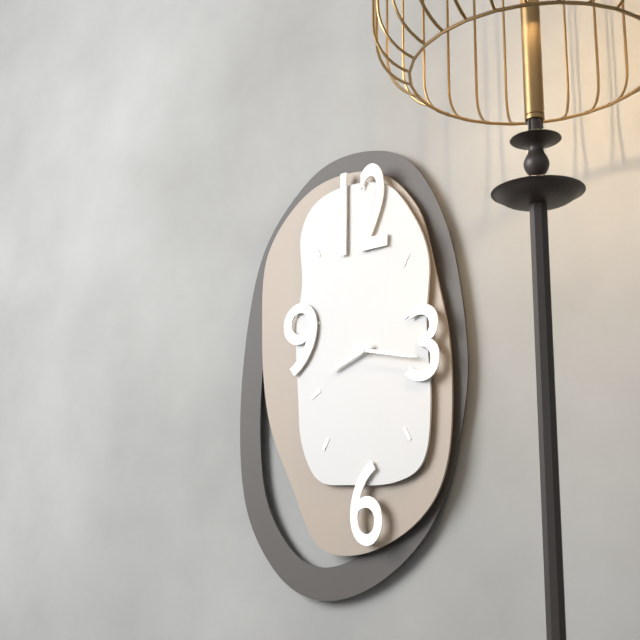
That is 8h17
